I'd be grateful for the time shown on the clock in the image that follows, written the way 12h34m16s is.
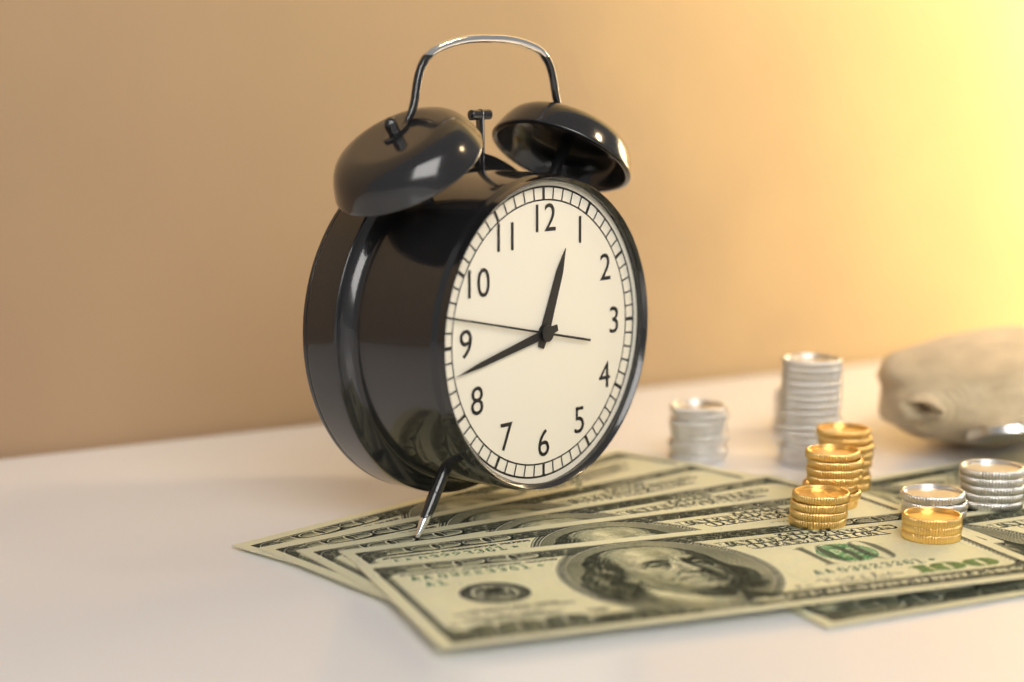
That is 12h43m47s
